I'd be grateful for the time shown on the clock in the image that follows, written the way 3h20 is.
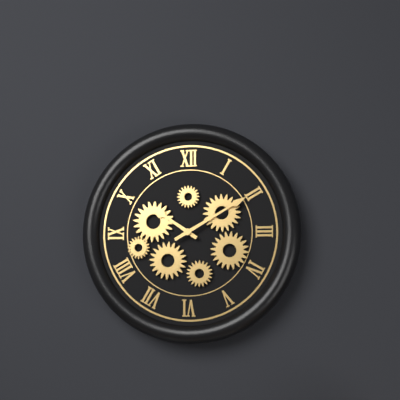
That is 10h10
